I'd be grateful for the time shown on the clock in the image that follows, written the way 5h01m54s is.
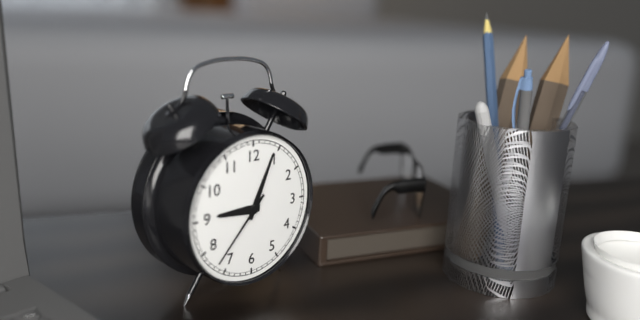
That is 9h04m37s
